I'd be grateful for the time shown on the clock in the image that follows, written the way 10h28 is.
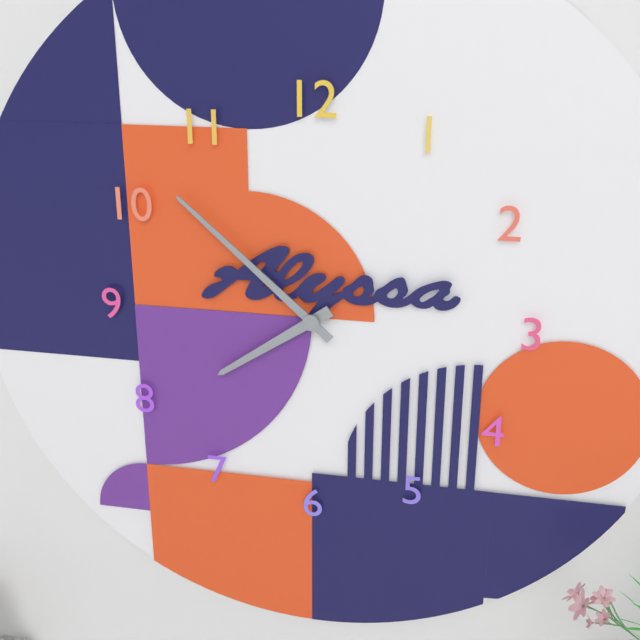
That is 7h52
